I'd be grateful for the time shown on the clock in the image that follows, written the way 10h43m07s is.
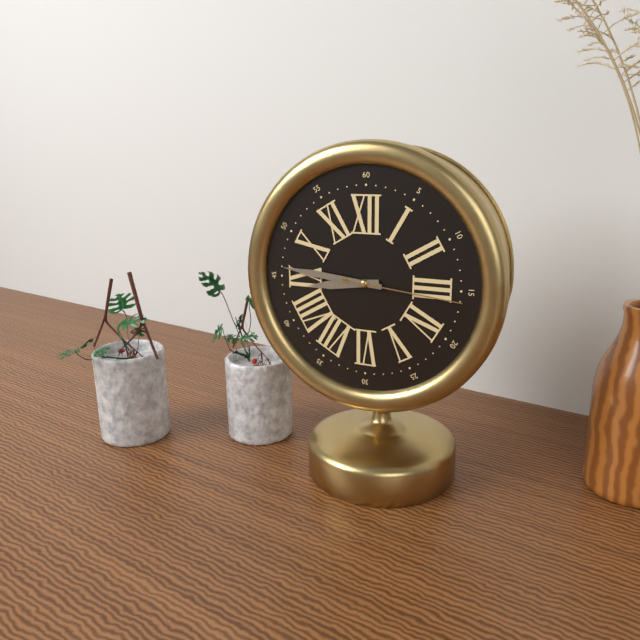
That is 8h46m16s
